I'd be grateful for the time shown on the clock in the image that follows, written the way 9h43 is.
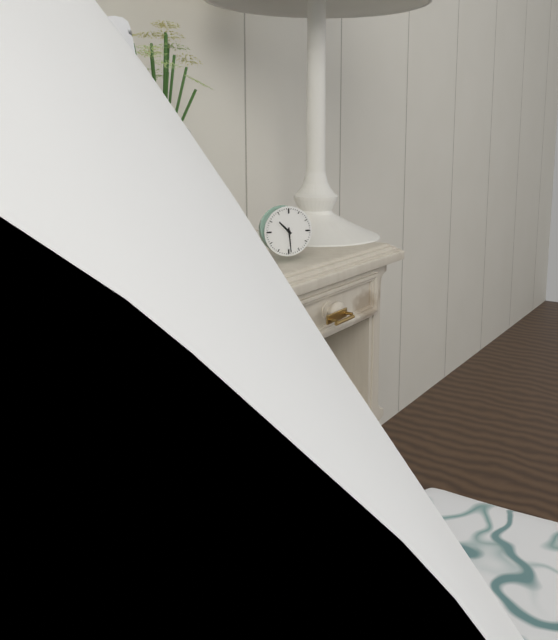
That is 10h29
